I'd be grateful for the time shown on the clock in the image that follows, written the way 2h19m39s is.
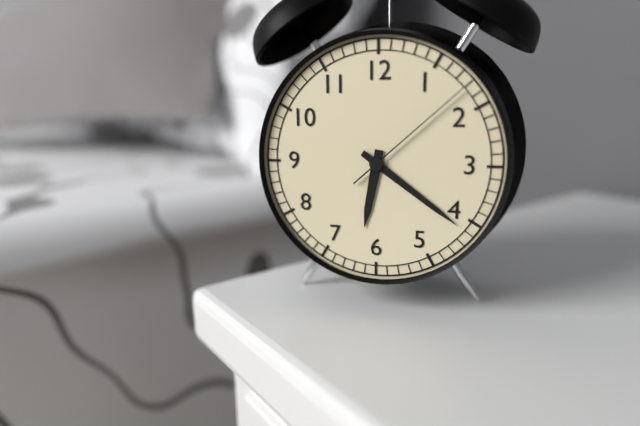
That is 6h21m08s
